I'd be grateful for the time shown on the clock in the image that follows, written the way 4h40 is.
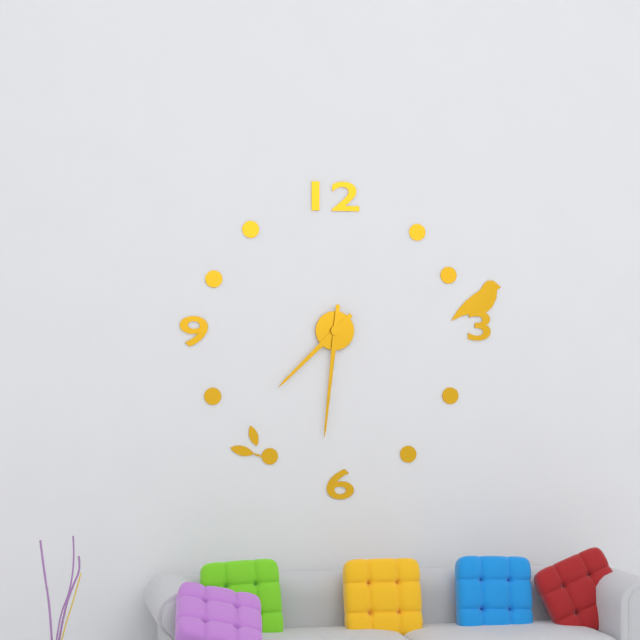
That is 7h31
